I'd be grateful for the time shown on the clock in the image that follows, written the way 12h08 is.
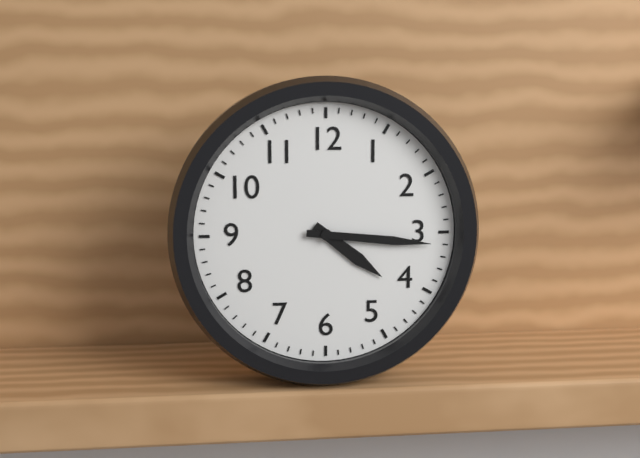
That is 4h16
